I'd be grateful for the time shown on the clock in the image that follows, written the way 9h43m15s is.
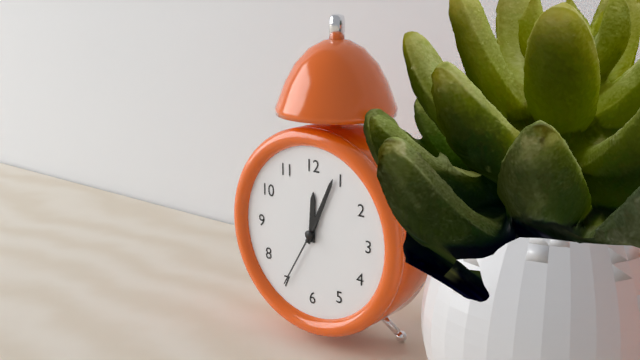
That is 12h04m35s
